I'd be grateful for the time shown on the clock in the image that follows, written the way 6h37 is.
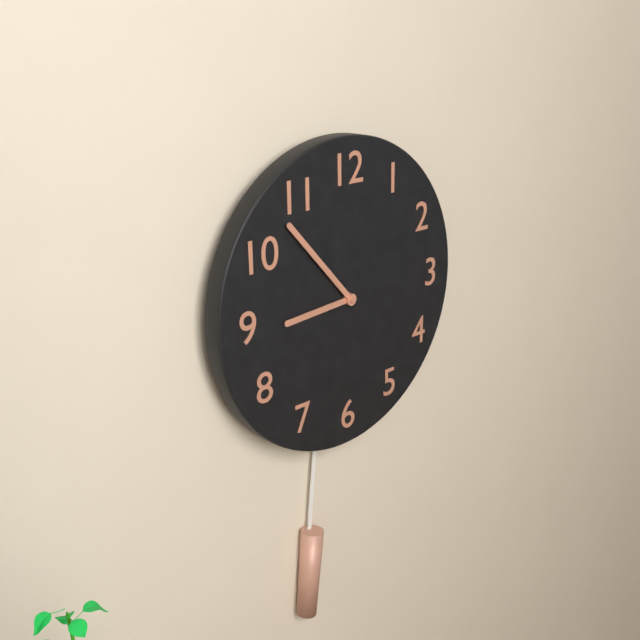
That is 8h53
